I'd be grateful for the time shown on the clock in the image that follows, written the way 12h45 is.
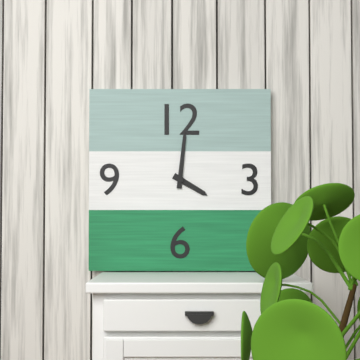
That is 4h01
